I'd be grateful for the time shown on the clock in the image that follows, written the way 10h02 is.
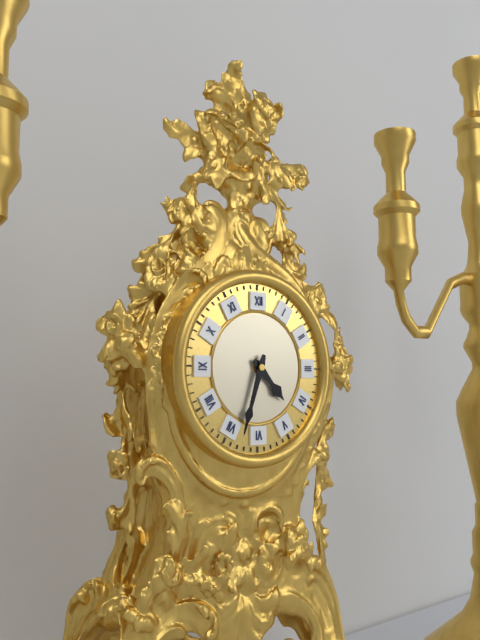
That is 4h33
